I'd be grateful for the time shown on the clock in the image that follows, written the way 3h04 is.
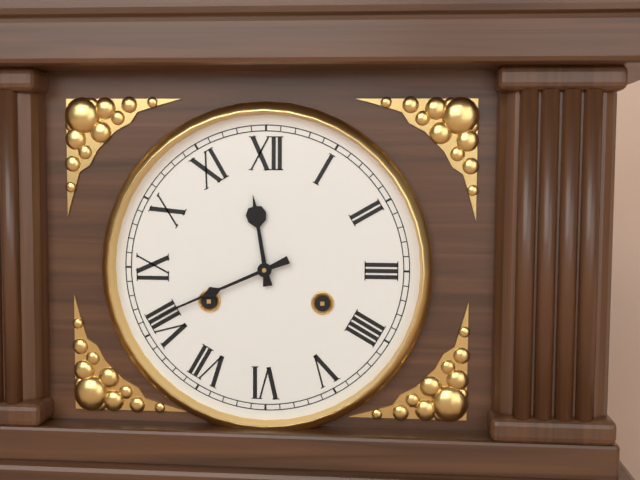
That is 11h41
